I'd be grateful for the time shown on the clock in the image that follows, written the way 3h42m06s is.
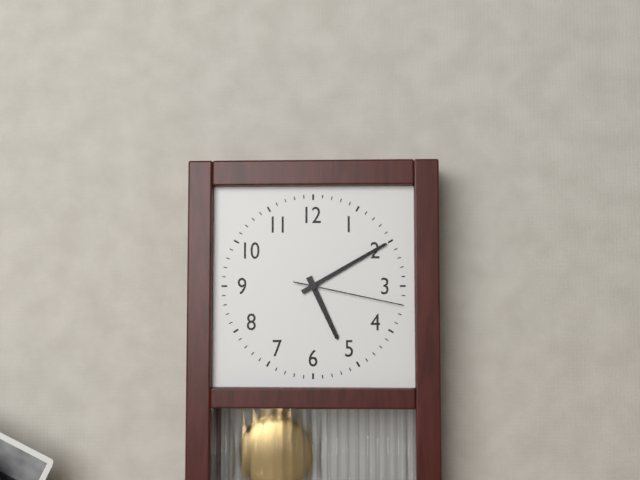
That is 5h10m17s
